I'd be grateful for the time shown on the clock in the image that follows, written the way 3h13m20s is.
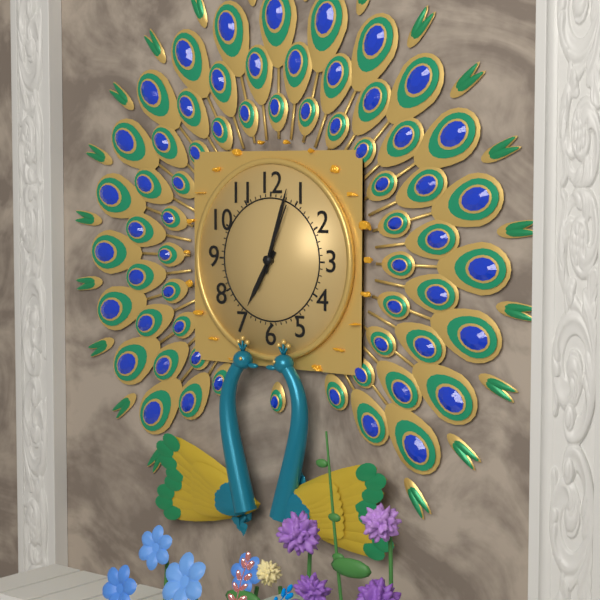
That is 7h03m04s
